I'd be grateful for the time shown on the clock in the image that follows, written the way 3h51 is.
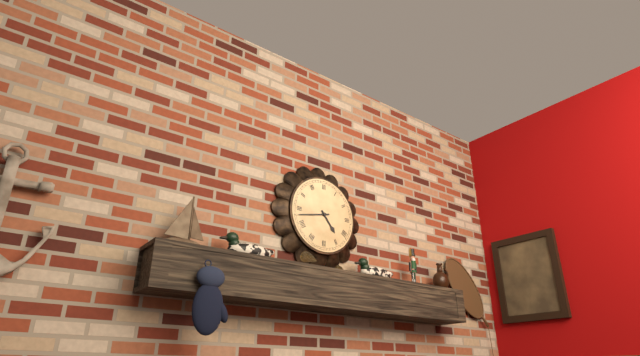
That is 4h43
